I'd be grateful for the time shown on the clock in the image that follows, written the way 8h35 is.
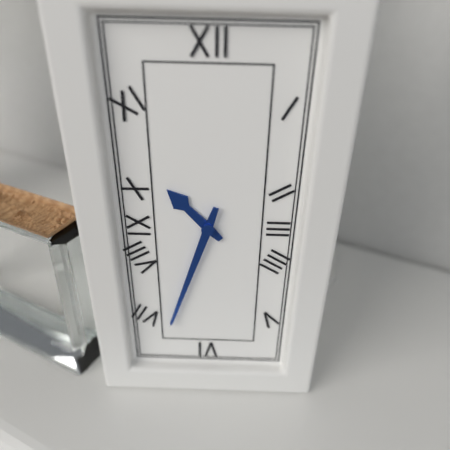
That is 10h33
